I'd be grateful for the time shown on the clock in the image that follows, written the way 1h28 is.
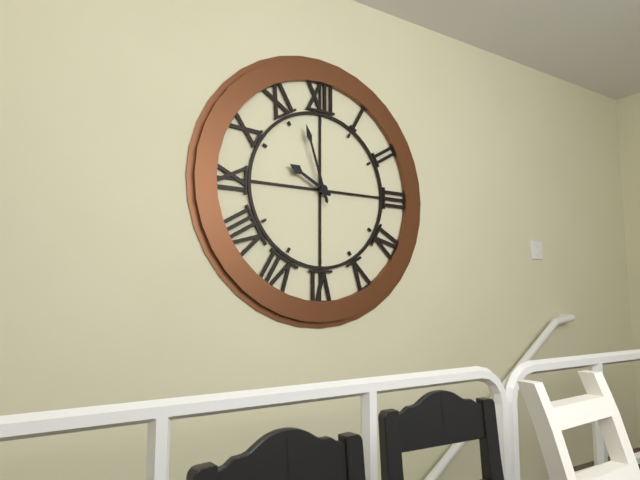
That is 9h57
